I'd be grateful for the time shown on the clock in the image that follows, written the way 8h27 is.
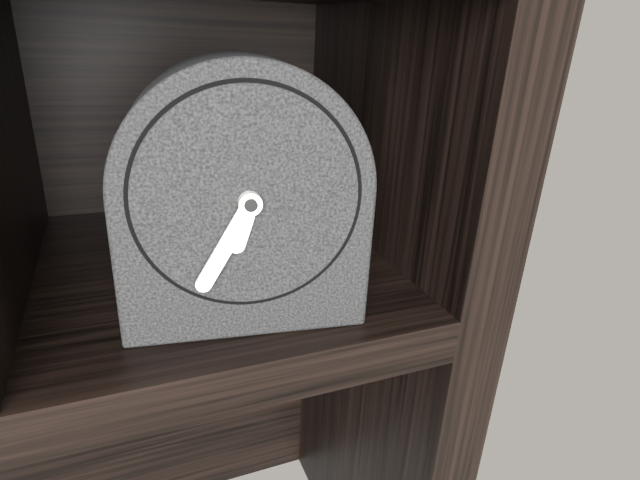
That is 6h35
